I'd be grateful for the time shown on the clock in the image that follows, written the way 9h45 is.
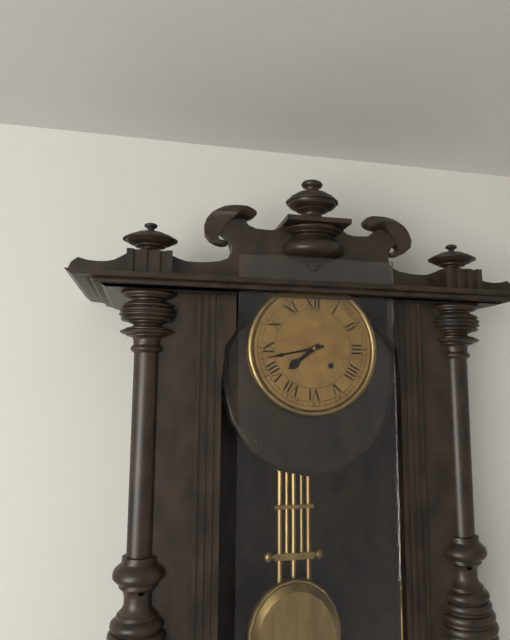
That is 7h43
